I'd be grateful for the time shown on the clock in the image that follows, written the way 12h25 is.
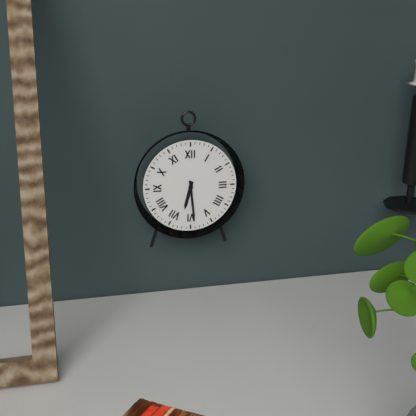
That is 6h29
